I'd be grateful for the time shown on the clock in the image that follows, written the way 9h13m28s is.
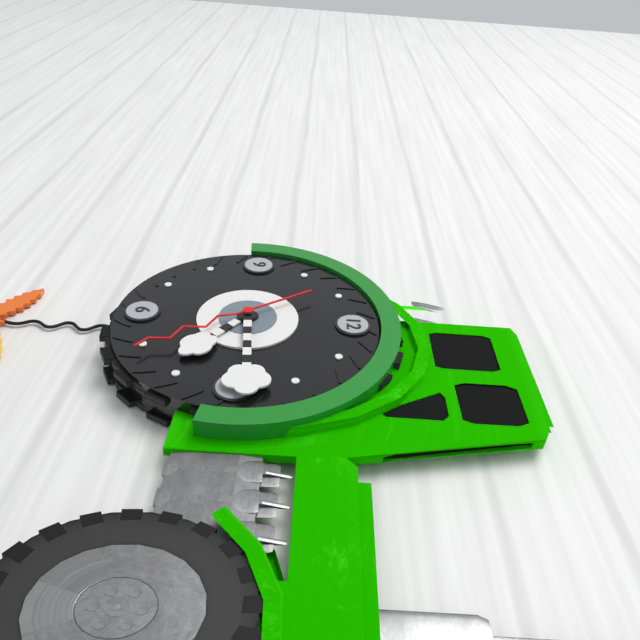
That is 4h14m24s
